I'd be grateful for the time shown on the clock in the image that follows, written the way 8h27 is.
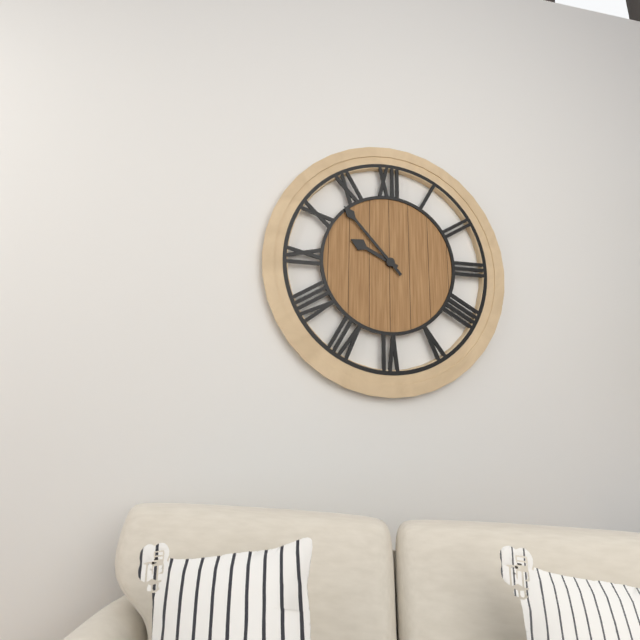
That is 9h53
